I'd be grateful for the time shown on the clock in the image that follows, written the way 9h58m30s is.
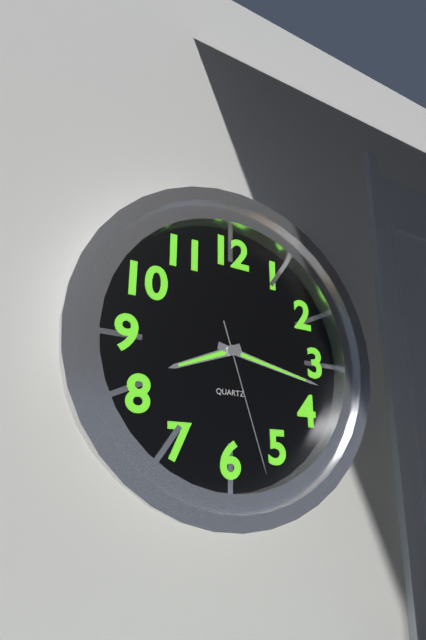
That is 8h17m27s
